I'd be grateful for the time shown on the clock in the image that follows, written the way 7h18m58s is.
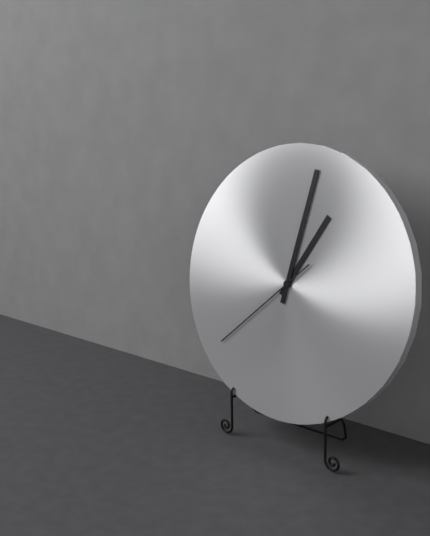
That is 1h02m38s
